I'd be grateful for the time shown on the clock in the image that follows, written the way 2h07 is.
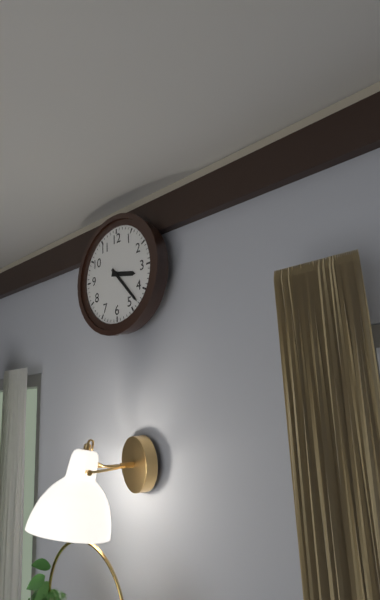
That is 3h23
